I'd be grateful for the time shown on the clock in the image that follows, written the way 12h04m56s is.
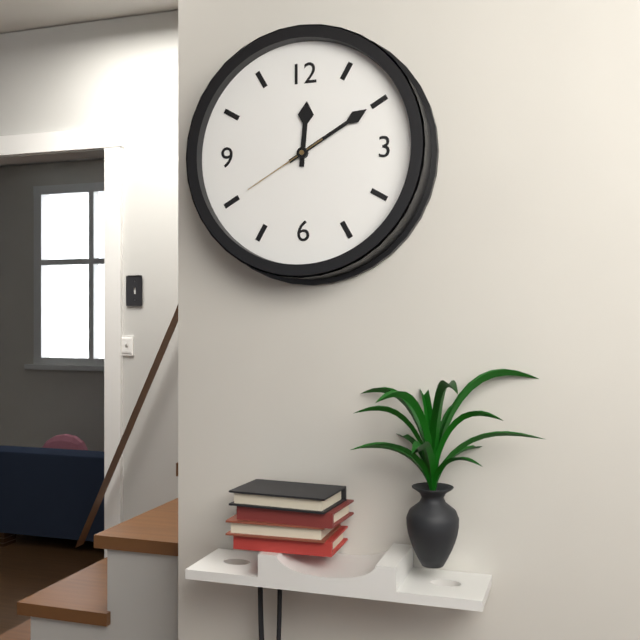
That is 12h10m40s
